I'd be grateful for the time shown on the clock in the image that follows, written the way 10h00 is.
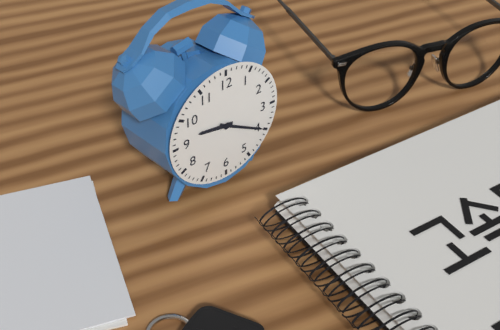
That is 9h20
